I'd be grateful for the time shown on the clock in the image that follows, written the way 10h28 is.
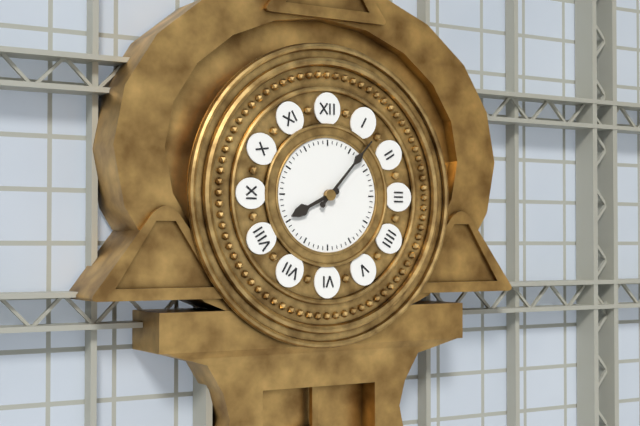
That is 8h07
